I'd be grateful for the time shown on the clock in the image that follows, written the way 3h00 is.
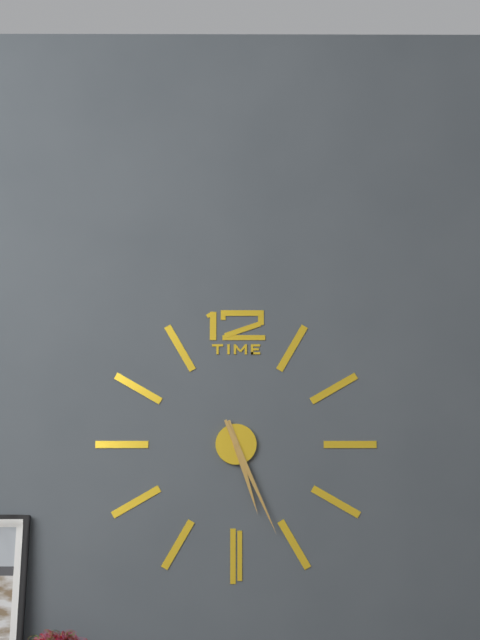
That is 5h26
